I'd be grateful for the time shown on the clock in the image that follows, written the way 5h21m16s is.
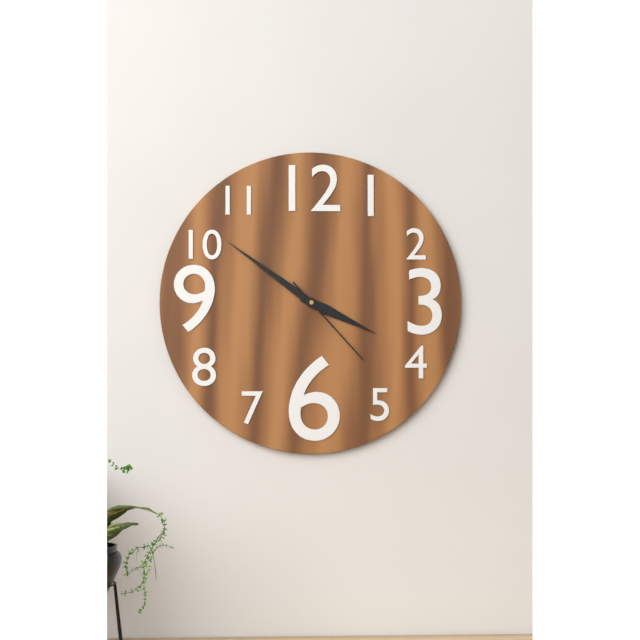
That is 3h51m23s
